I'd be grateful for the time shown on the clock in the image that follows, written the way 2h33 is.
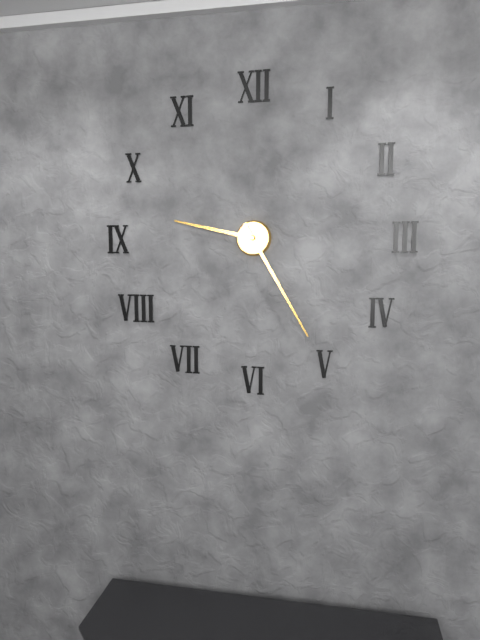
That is 9h25
